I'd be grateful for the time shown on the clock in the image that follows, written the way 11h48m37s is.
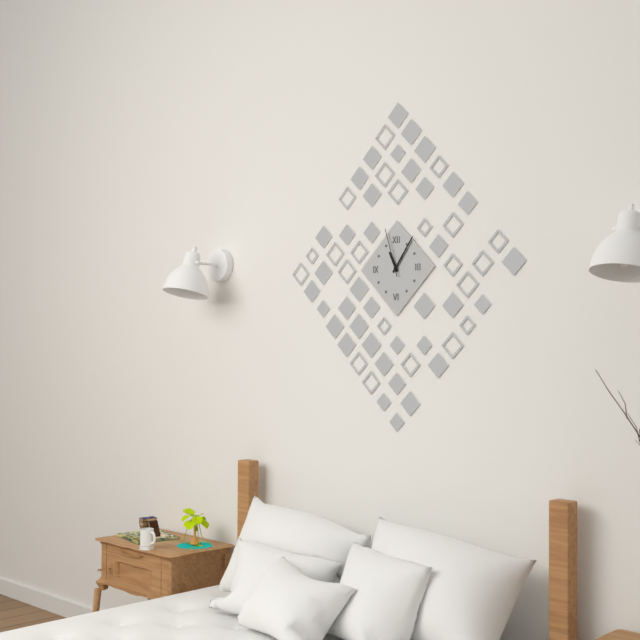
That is 11h06m57s
